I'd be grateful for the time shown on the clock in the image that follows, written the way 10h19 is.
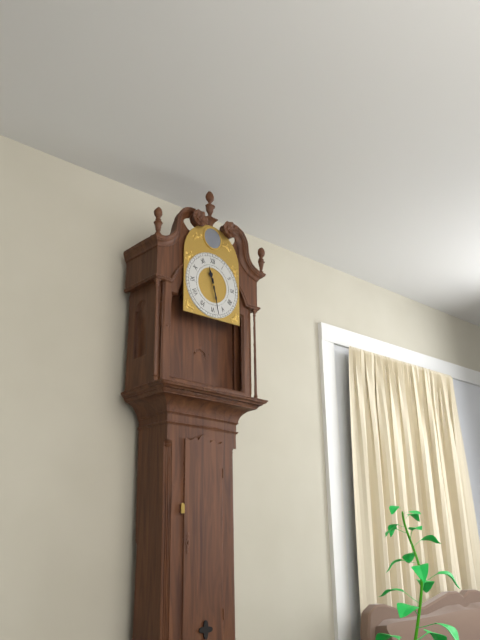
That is 11h28
